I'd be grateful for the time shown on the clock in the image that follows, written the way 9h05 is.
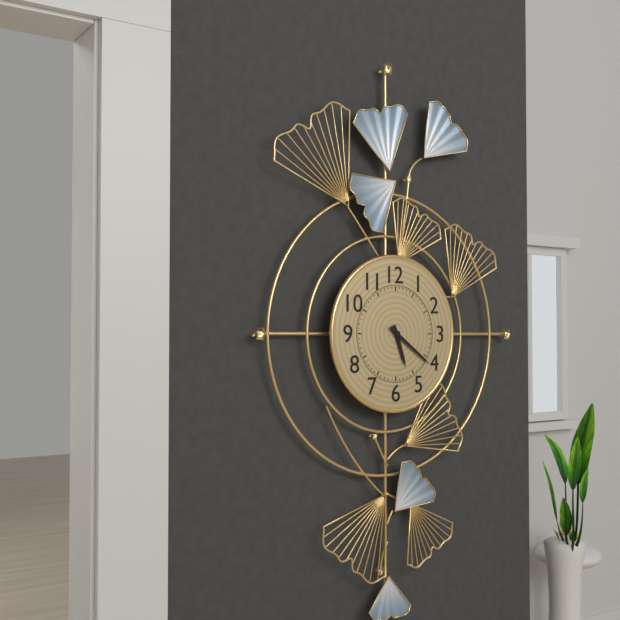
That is 5h21
